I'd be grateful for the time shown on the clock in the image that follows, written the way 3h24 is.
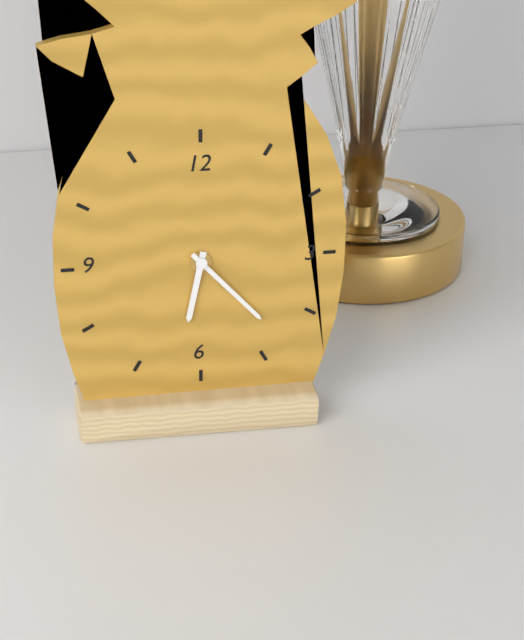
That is 6h23
